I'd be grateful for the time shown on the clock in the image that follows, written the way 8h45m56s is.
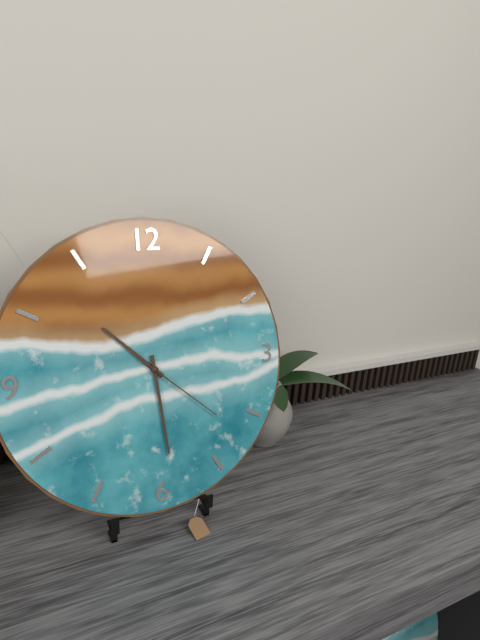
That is 10h29m22s
